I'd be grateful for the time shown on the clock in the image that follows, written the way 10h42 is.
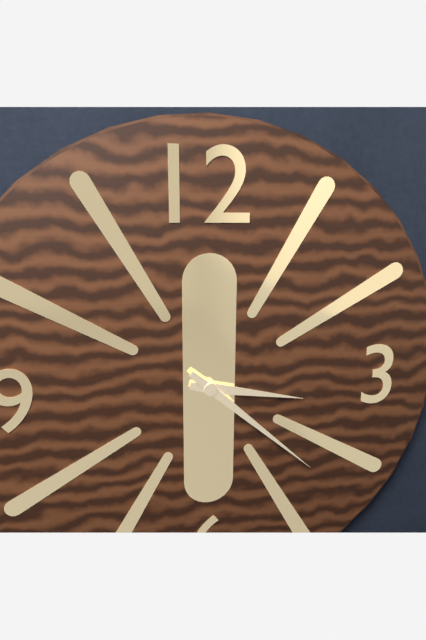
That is 3h22
